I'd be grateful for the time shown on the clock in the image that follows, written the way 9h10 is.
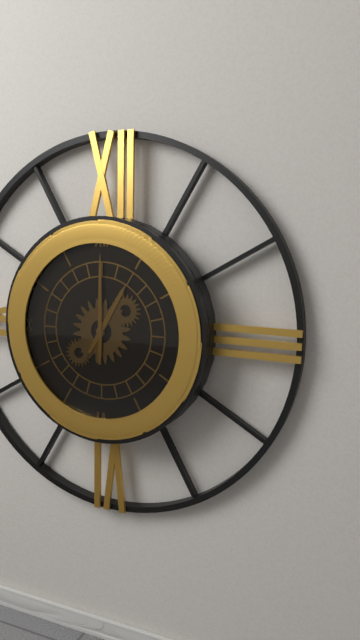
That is 1h00
